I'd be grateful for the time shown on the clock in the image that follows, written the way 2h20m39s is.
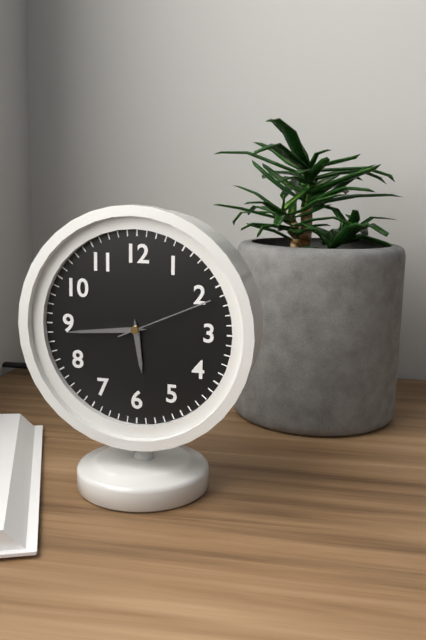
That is 5h44m11s
